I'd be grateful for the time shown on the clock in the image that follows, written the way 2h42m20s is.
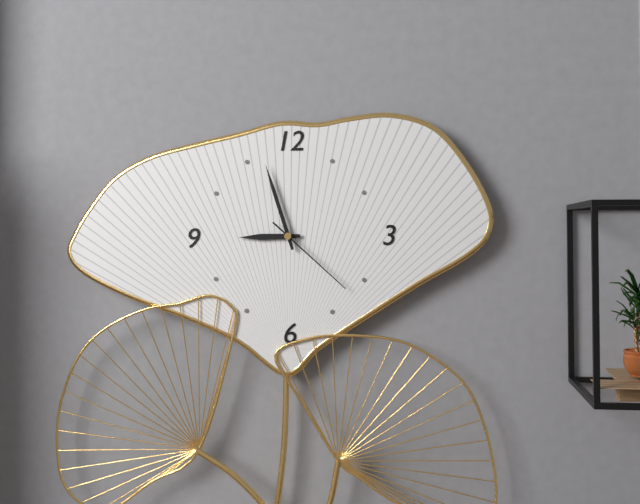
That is 8h57m22s
